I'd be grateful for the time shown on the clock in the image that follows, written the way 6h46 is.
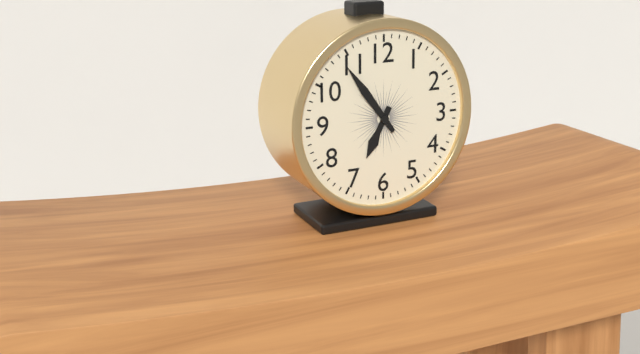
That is 6h54
